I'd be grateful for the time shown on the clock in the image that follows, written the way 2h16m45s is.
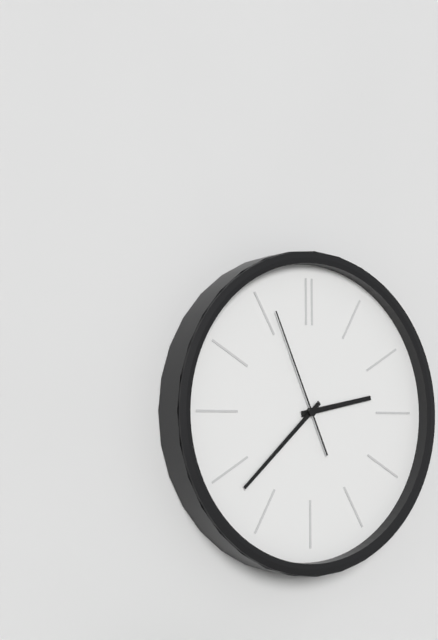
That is 2h38m56s
